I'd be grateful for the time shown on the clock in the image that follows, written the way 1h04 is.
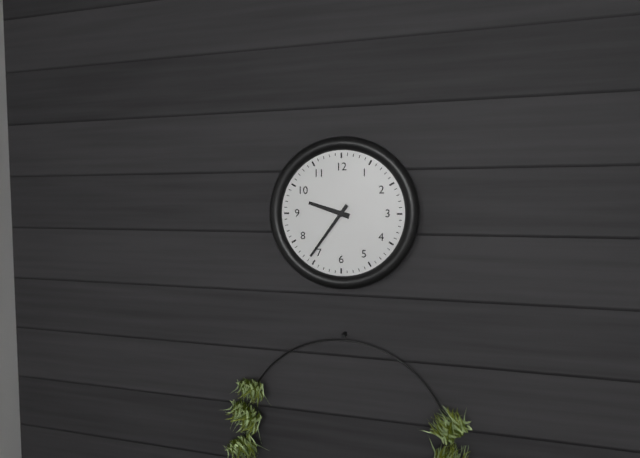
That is 9h36
